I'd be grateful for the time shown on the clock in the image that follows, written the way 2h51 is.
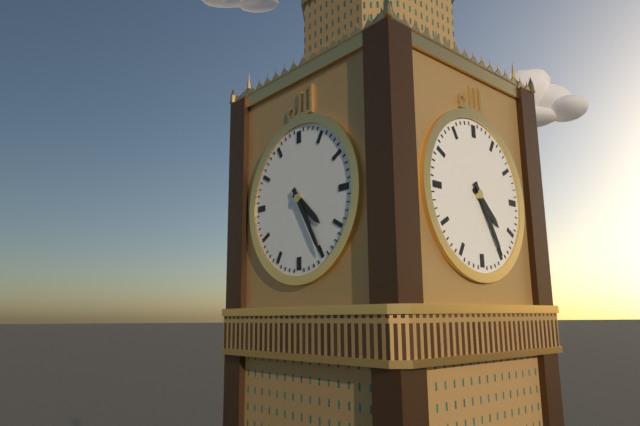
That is 4h25
